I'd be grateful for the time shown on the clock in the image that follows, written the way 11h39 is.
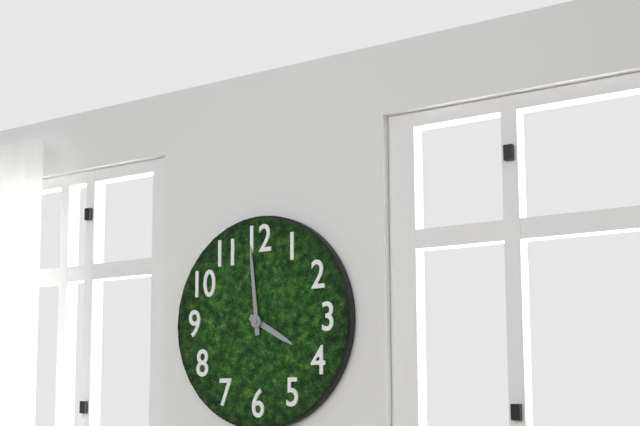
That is 3h59
